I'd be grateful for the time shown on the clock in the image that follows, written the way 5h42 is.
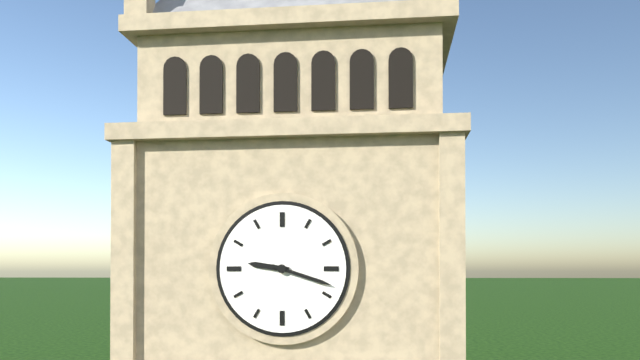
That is 9h18
